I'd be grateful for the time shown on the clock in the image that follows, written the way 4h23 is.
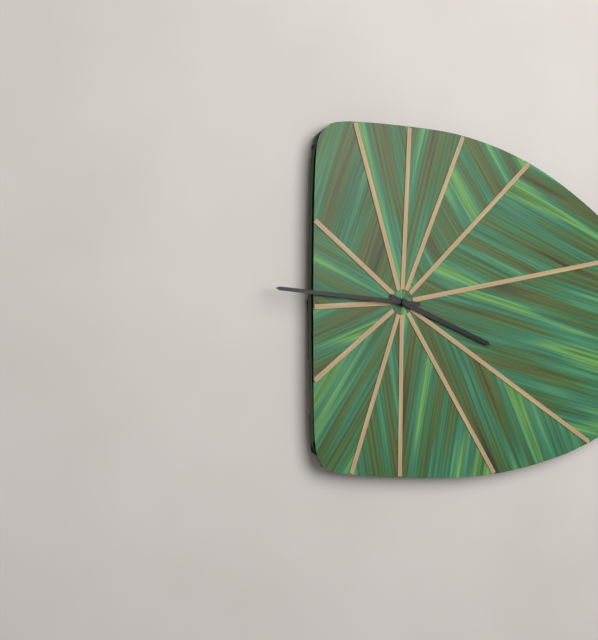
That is 3h46
